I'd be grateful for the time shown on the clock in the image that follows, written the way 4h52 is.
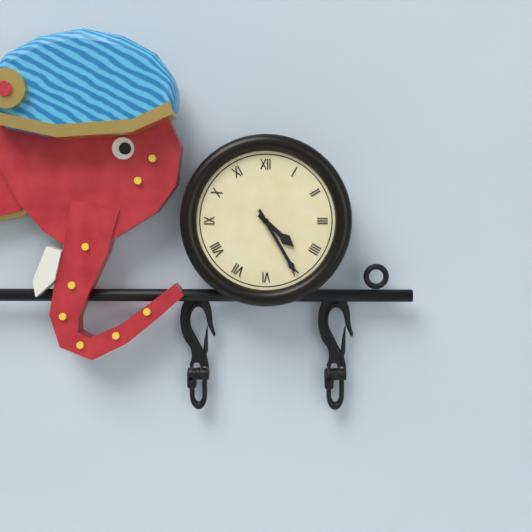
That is 4h25
